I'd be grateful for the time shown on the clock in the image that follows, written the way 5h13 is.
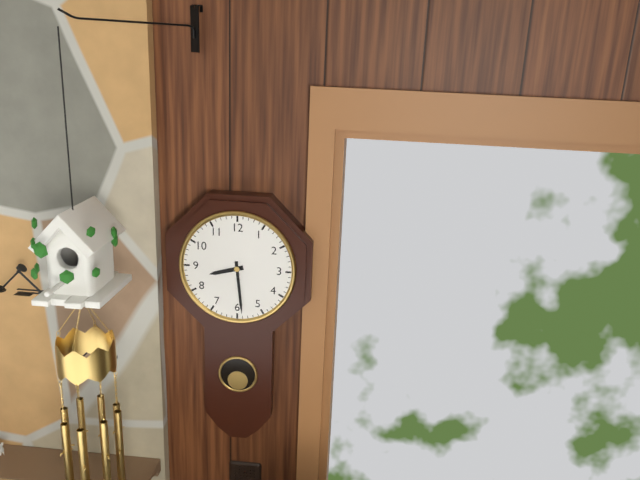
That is 8h29
